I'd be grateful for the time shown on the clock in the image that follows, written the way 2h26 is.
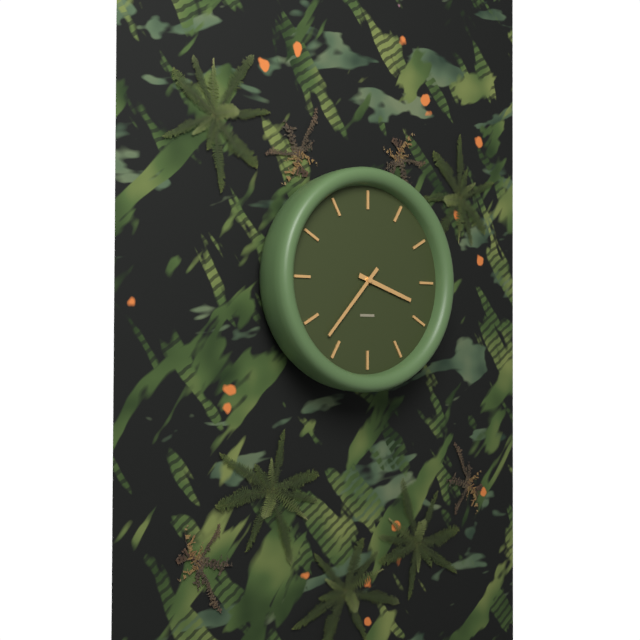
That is 3h37
